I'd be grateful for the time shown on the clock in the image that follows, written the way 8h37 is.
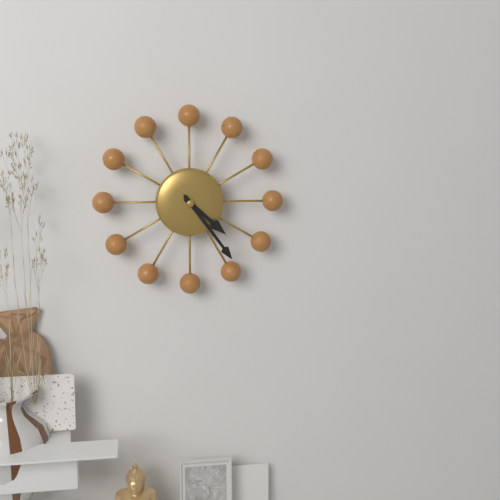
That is 4h24
